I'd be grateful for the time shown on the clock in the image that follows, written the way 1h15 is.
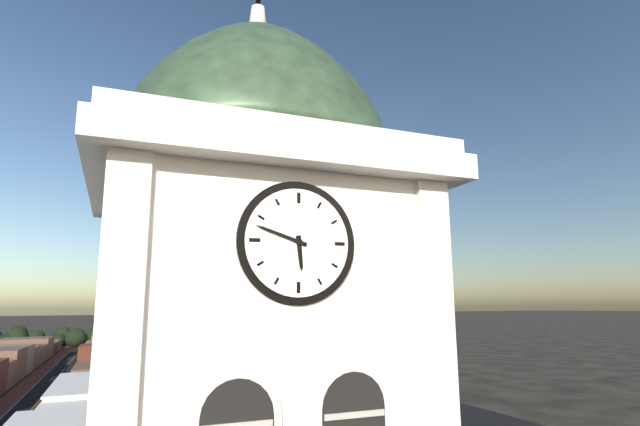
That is 5h48
